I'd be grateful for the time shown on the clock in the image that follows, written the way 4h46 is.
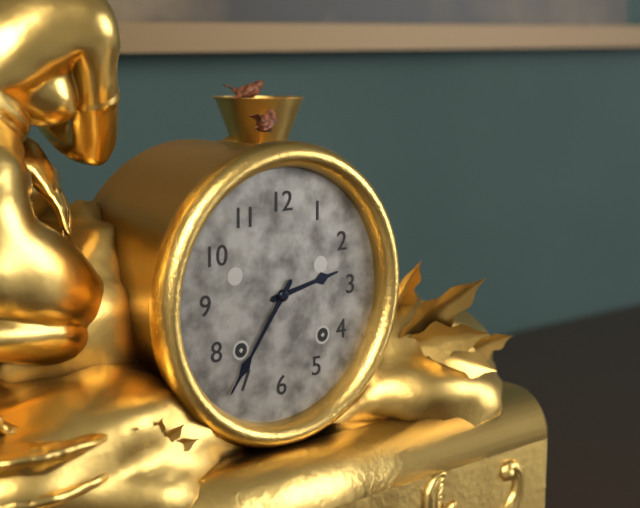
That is 2h36
